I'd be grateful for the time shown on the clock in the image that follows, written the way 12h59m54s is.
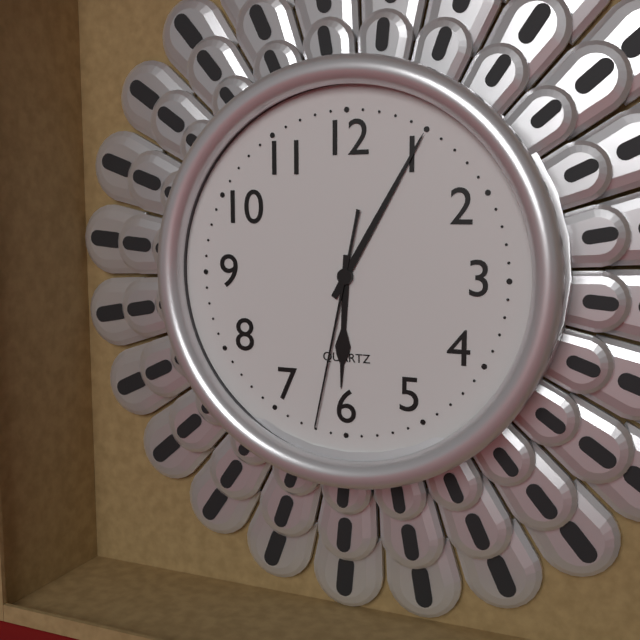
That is 6h05m32s
